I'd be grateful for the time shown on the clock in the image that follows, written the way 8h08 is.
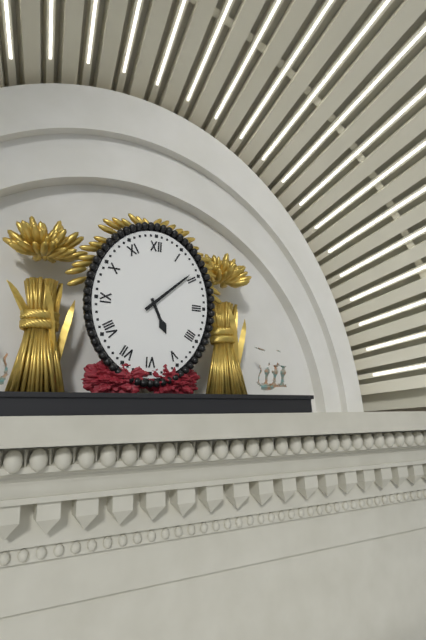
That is 5h08
